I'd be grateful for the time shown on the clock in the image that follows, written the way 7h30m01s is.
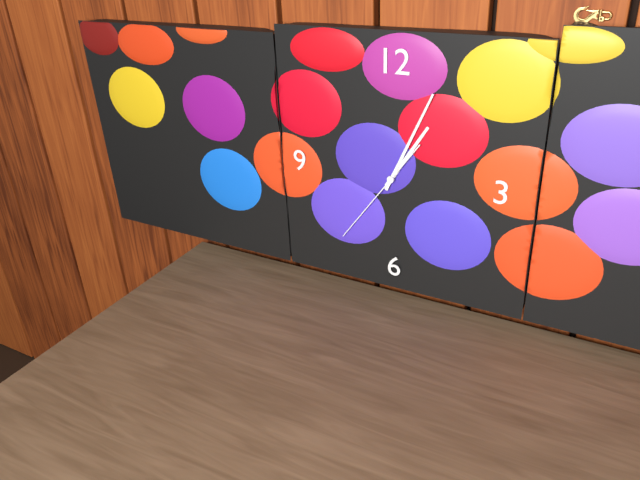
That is 1h04m36s
